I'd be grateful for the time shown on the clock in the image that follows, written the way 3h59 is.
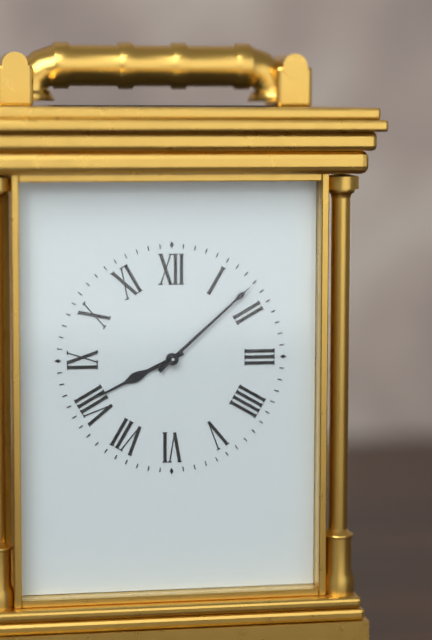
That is 8h08
